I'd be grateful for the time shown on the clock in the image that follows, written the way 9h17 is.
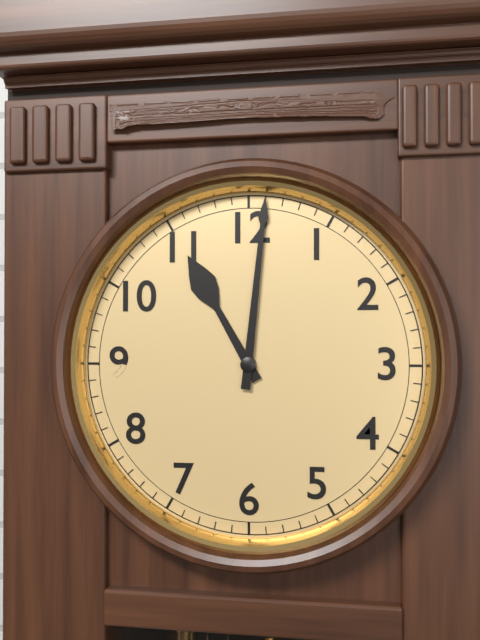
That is 11h01
